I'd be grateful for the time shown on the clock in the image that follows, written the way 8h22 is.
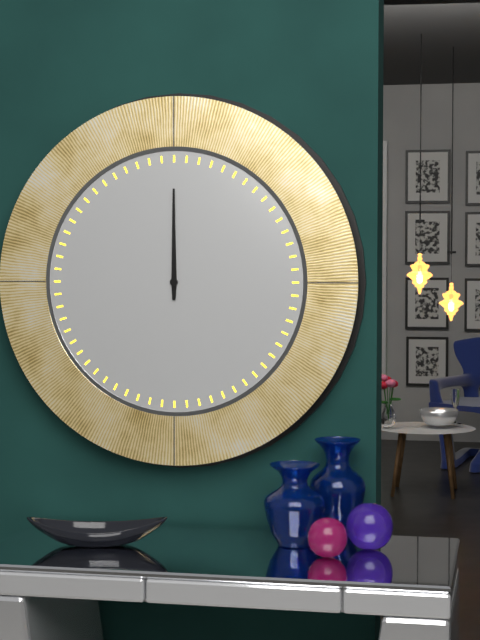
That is 12h00
